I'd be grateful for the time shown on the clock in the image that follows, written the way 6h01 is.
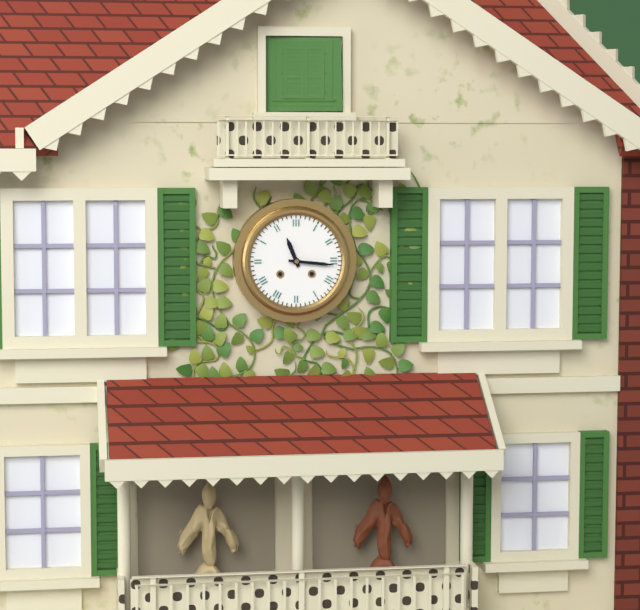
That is 11h16
